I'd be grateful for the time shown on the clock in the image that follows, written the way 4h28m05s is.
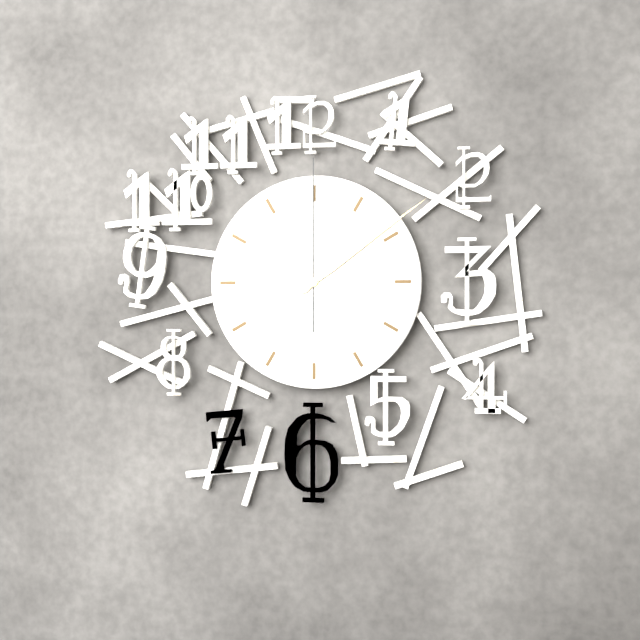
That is 10h09m00s
